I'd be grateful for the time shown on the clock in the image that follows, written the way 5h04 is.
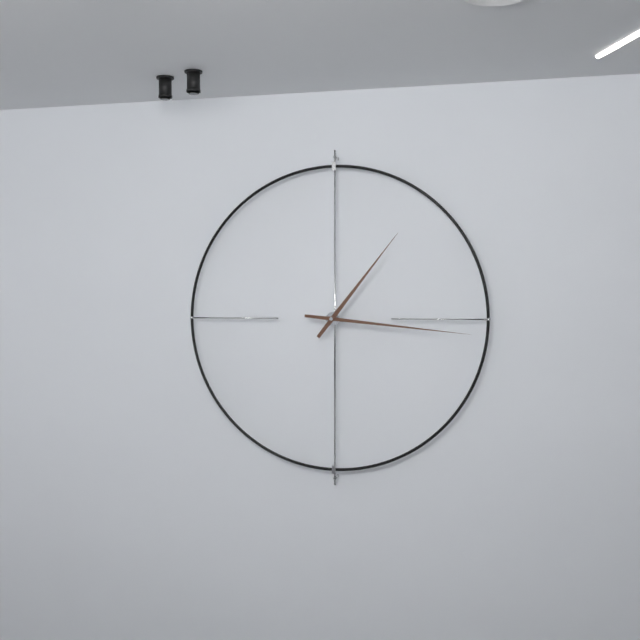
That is 1h16
